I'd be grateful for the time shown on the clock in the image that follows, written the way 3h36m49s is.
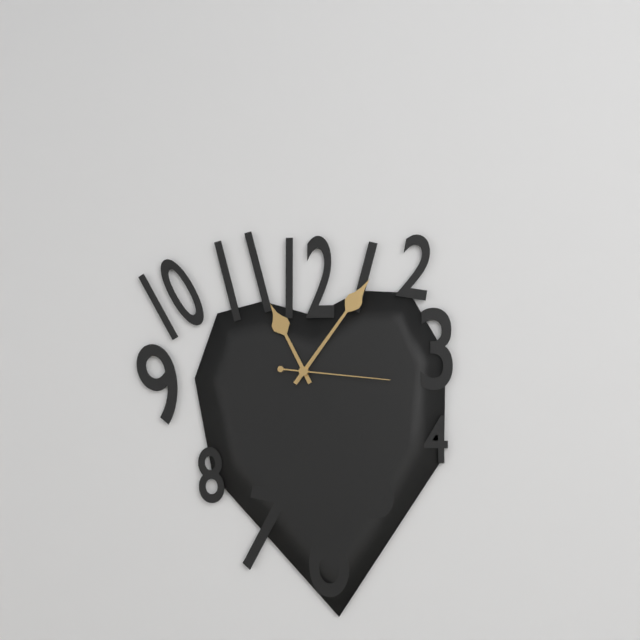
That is 11h06m16s
